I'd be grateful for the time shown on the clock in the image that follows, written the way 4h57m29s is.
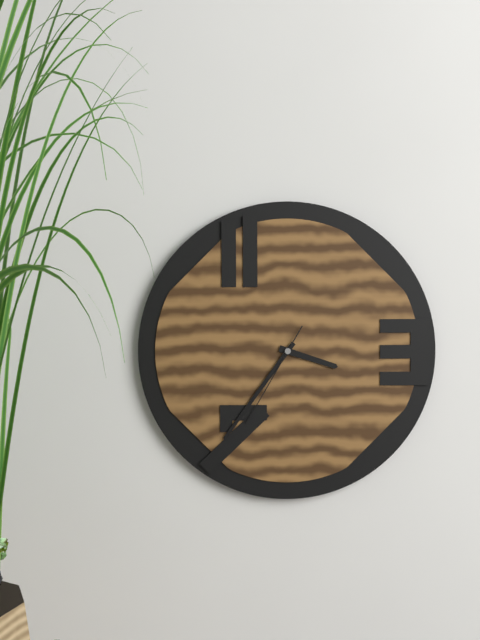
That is 3h36m35s
